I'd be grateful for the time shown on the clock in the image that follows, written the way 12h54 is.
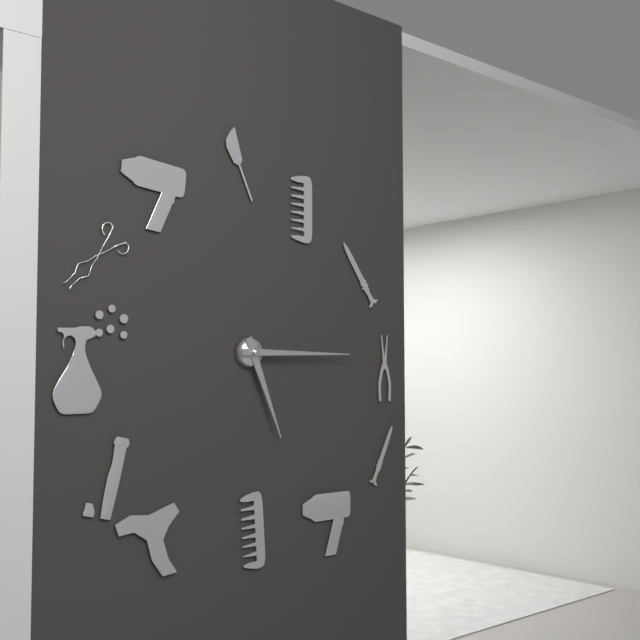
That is 5h15
